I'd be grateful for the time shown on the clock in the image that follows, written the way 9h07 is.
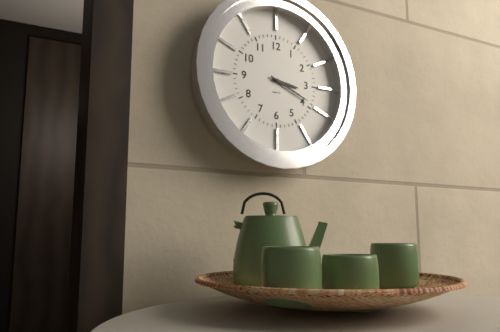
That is 3h19
